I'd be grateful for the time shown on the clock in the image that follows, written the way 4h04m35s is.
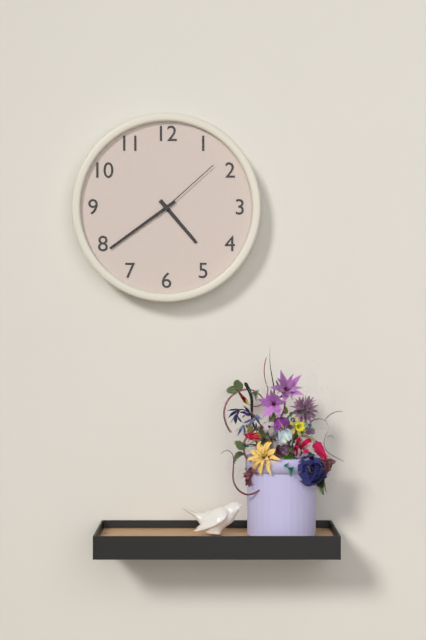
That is 4h39m08s
